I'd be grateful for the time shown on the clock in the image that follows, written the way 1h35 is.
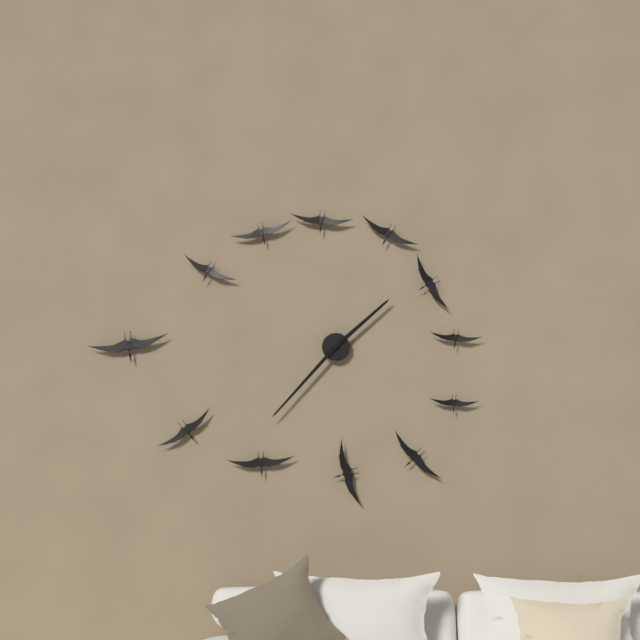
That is 1h37
